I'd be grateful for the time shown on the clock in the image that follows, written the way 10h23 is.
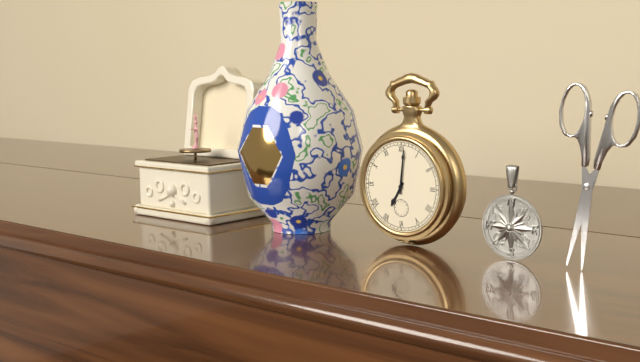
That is 7h01
